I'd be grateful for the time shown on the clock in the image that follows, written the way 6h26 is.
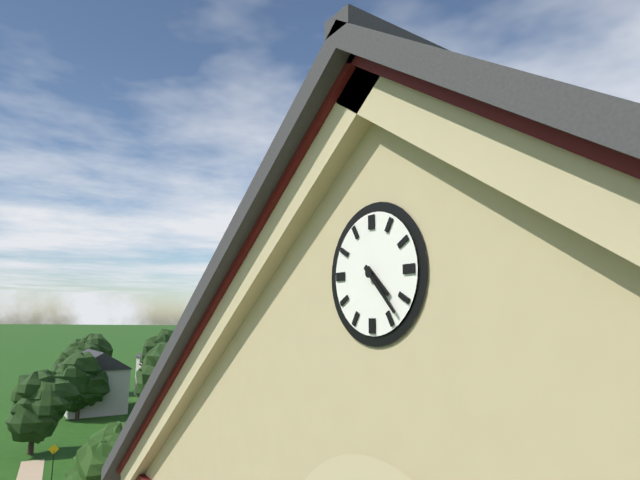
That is 4h23
